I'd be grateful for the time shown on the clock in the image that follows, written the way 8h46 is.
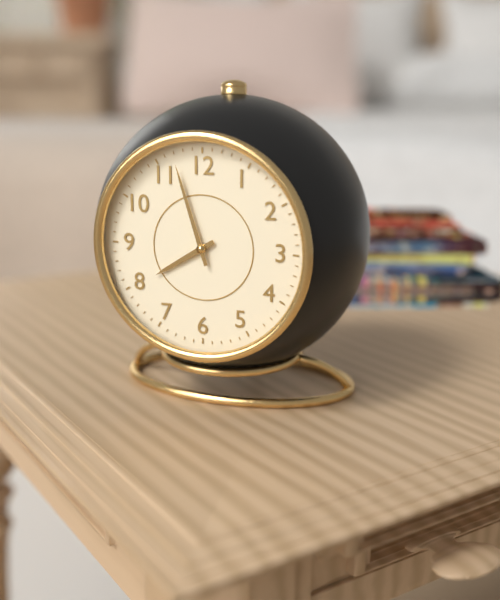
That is 7h57
